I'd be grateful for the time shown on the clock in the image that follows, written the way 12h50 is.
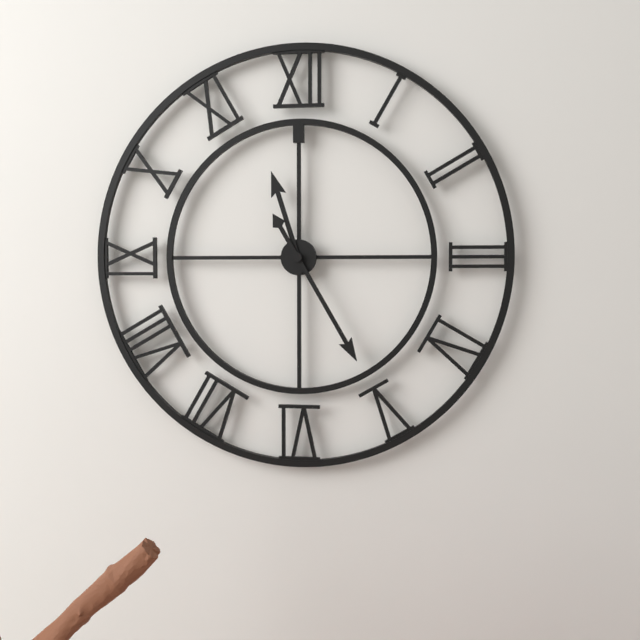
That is 11h25
